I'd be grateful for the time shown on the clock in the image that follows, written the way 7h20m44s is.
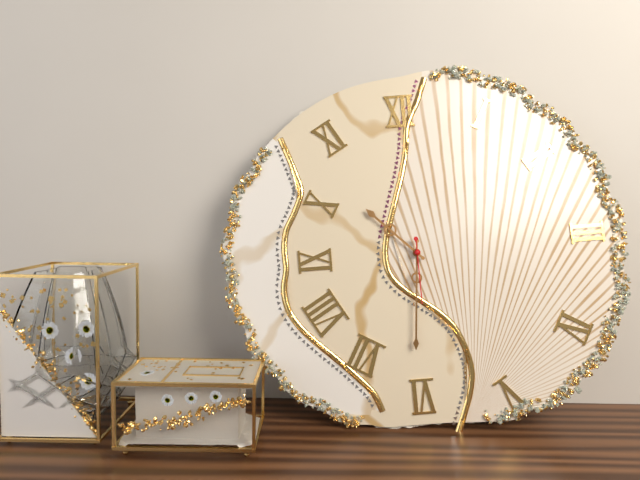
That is 10h31m30s
